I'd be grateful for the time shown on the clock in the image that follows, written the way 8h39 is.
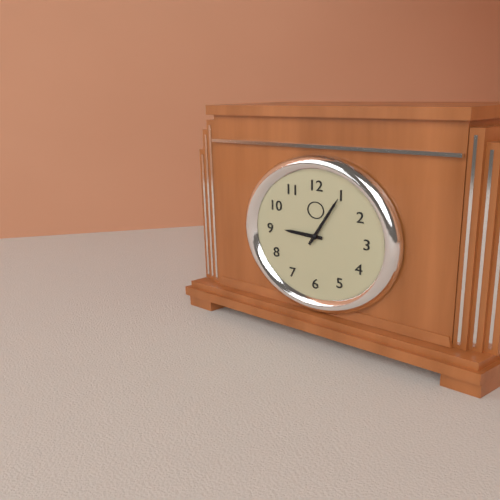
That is 9h05
